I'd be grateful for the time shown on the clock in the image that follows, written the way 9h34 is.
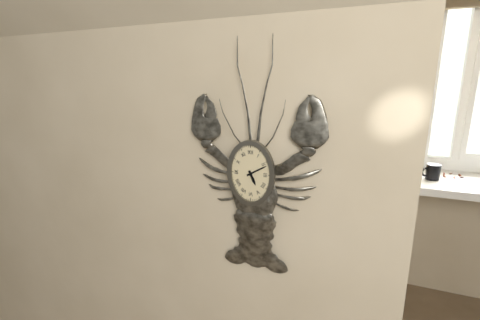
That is 5h10
